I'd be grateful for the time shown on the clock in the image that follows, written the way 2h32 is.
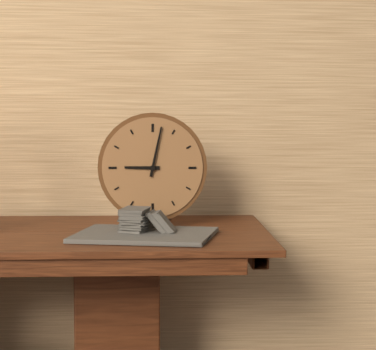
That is 9h02
